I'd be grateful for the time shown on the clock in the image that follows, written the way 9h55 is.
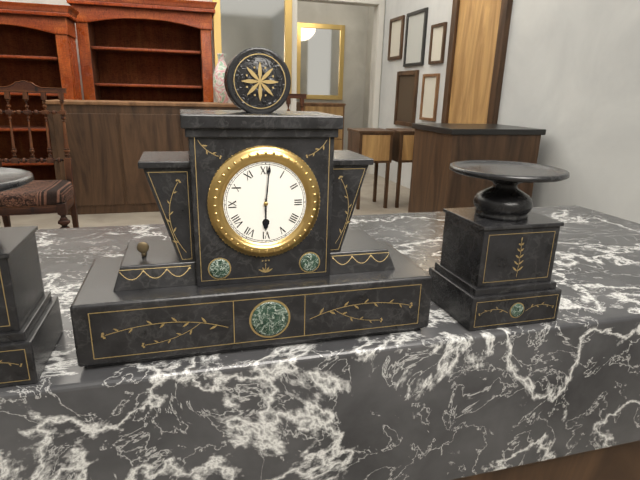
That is 6h01
